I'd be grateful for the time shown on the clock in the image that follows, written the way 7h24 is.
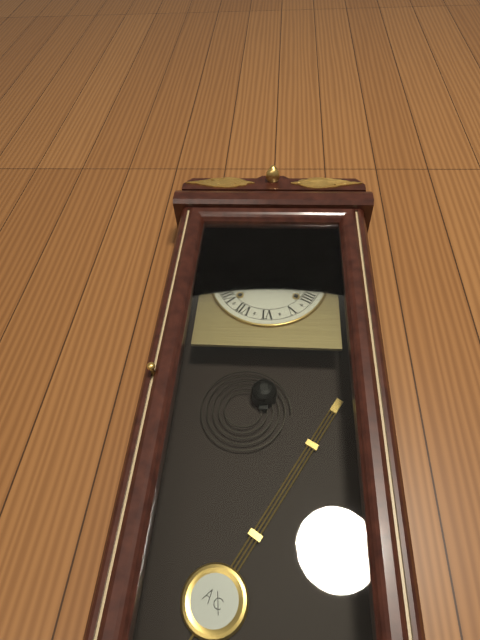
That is 9h18
